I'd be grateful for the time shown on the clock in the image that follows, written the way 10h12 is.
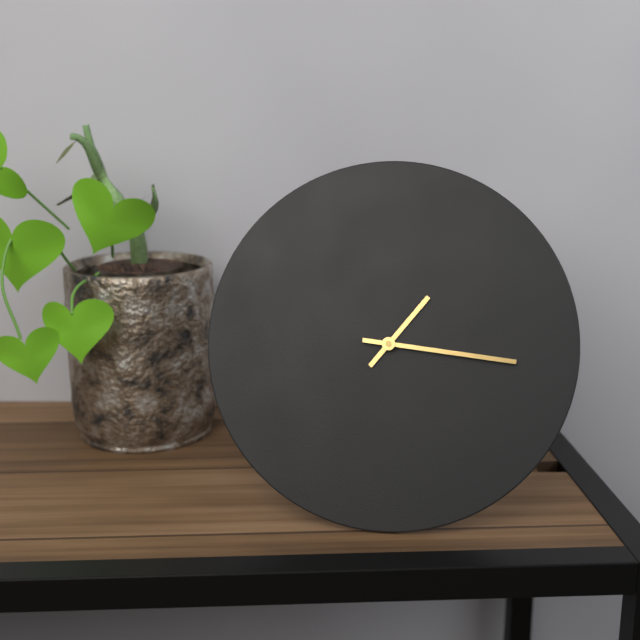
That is 1h16
